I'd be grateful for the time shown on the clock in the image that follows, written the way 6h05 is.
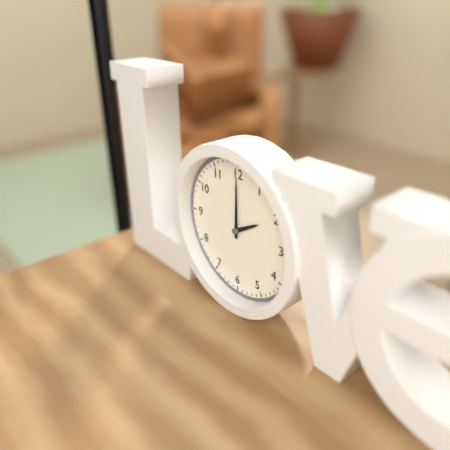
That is 2h00
